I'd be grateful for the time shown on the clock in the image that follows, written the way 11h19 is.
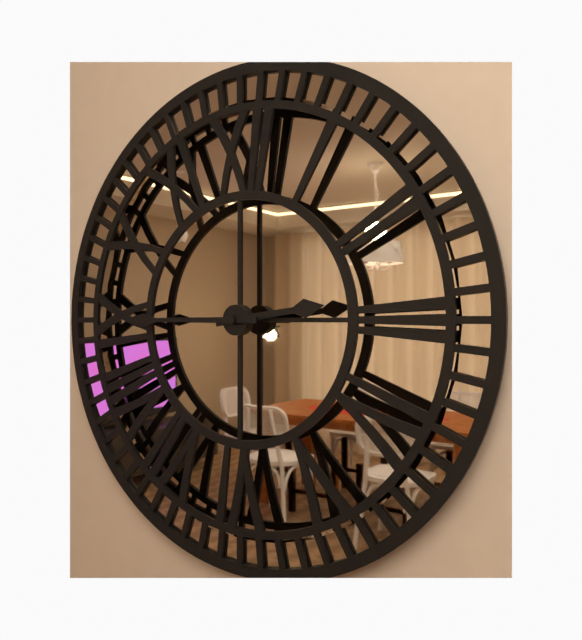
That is 2h45
